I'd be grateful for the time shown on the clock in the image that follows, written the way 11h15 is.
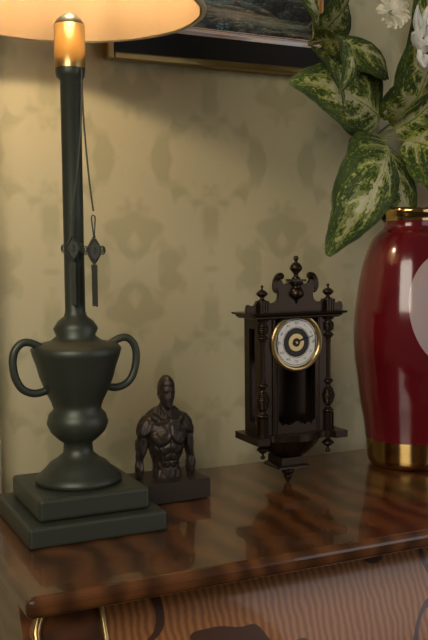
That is 2h12
